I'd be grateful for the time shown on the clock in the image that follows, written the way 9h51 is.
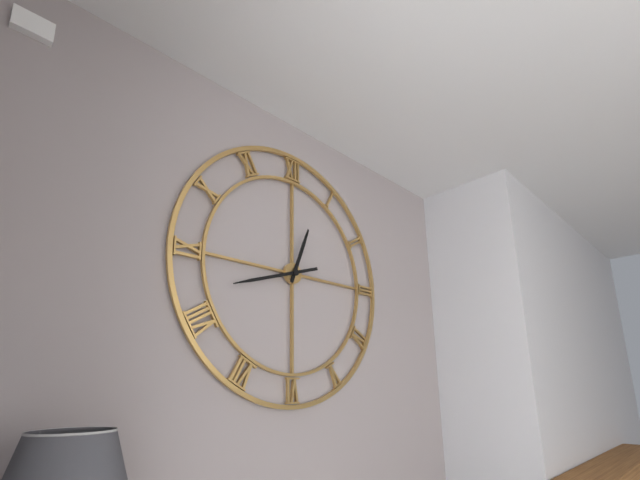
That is 12h42
